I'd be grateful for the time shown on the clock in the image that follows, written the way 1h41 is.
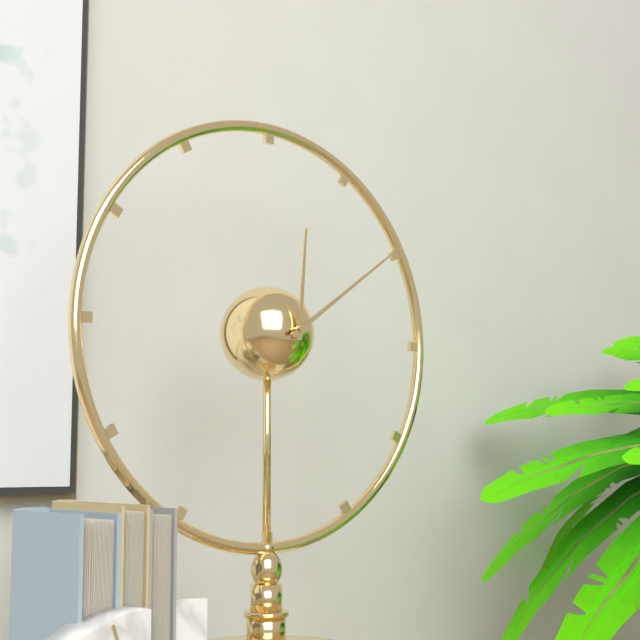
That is 12h09
